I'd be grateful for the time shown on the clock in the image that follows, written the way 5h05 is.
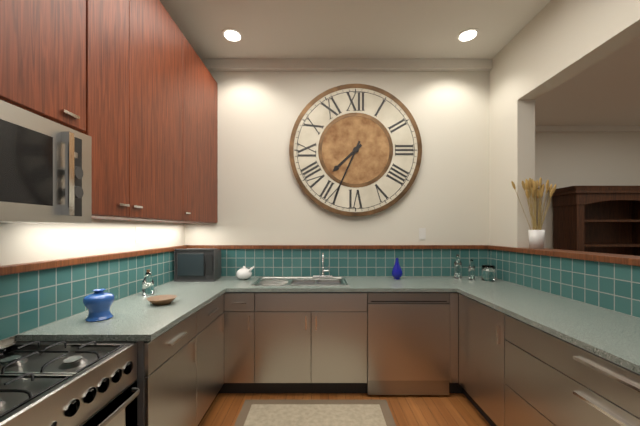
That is 7h34
